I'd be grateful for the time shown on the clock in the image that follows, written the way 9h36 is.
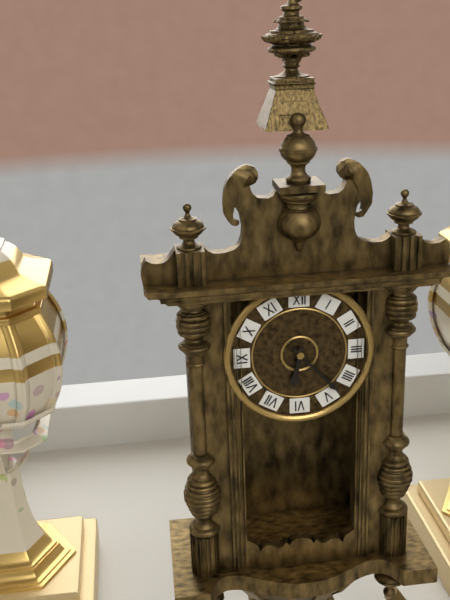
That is 6h23
